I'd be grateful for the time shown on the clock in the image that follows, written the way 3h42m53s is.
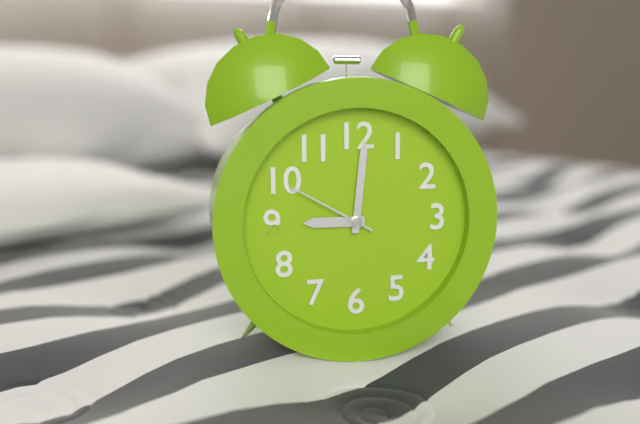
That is 9h01m50s
